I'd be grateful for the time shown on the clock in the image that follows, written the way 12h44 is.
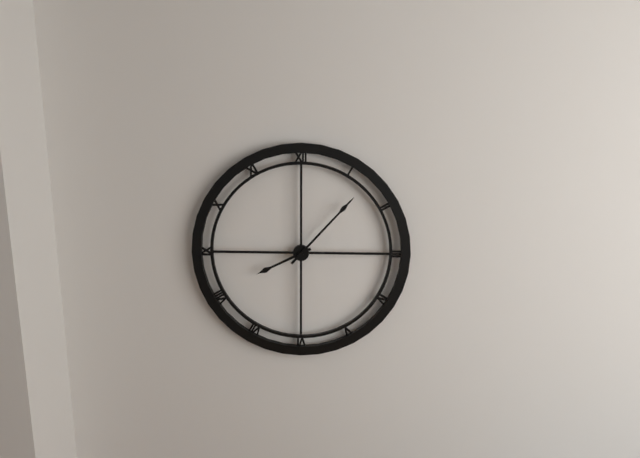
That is 8h07
